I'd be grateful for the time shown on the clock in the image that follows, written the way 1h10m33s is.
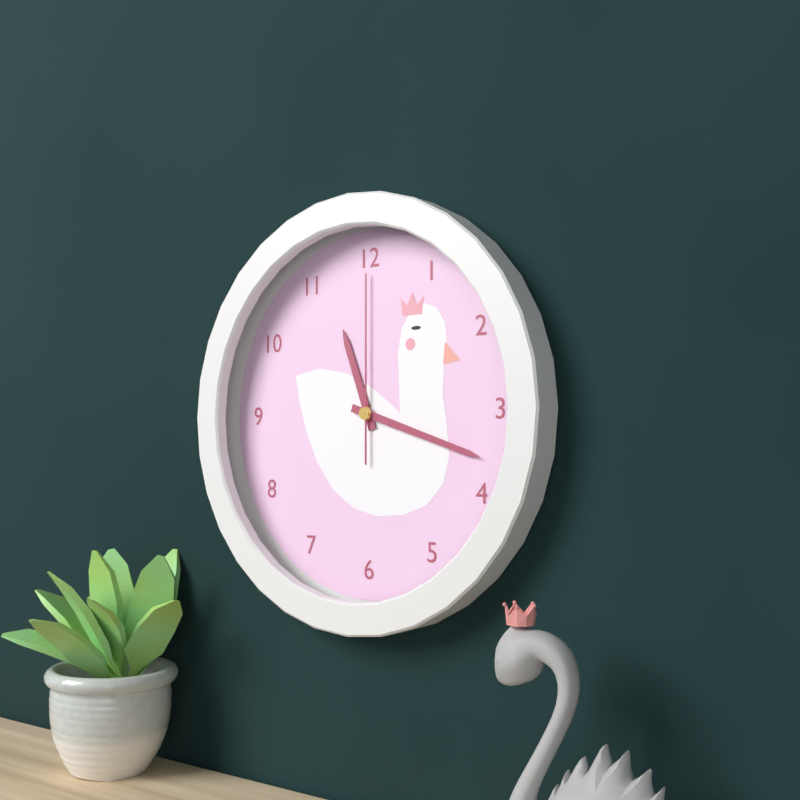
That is 11h18m00s
